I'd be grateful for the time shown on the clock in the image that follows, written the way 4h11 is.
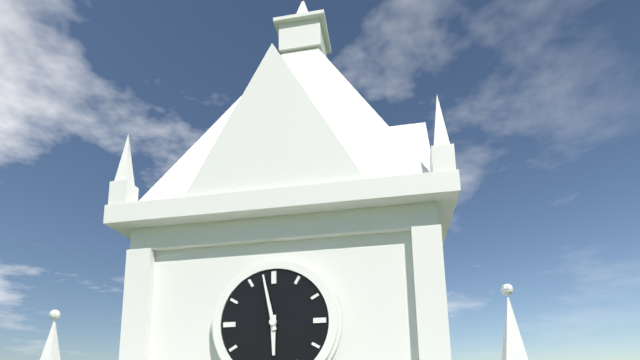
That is 5h58
